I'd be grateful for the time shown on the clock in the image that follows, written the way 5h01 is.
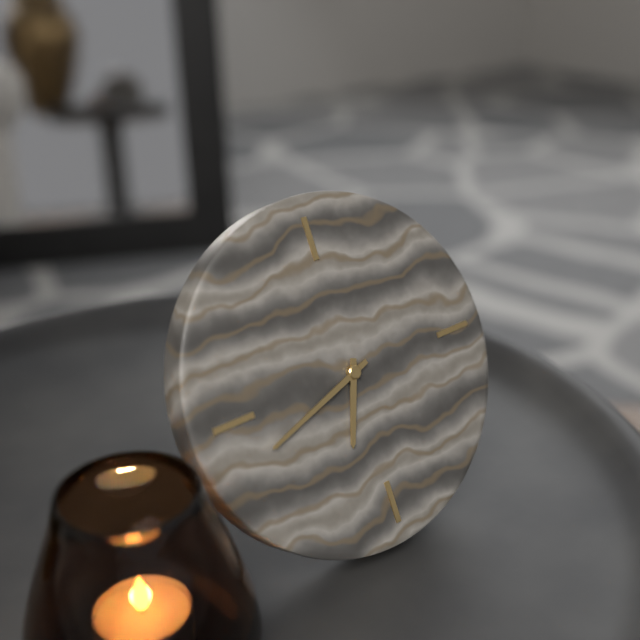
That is 6h42
